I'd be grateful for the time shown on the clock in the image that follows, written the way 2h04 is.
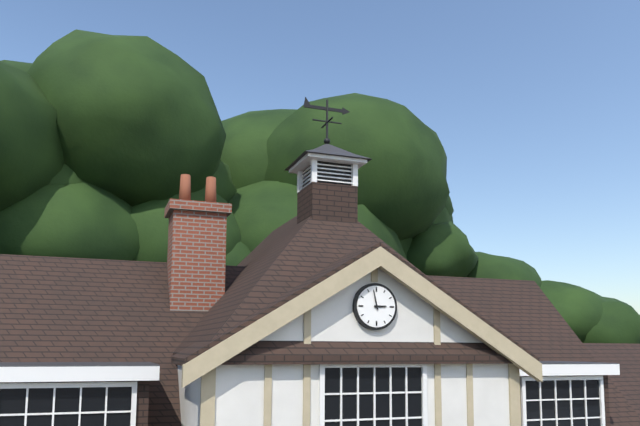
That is 2h58
